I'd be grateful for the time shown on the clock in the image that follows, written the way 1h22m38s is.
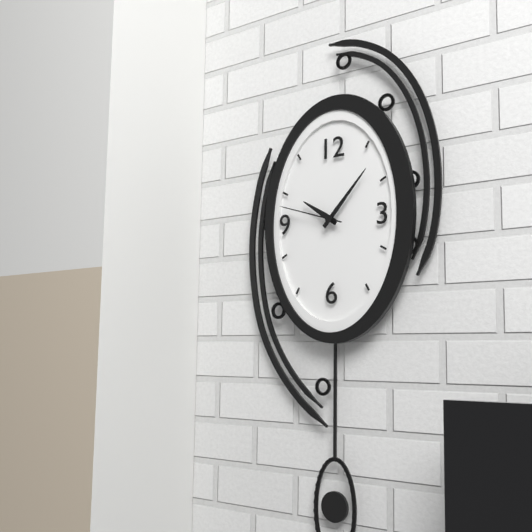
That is 10h07m48s
